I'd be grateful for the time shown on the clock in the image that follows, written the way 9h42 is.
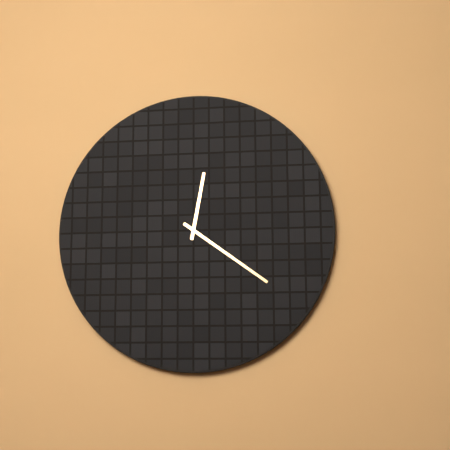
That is 12h21
